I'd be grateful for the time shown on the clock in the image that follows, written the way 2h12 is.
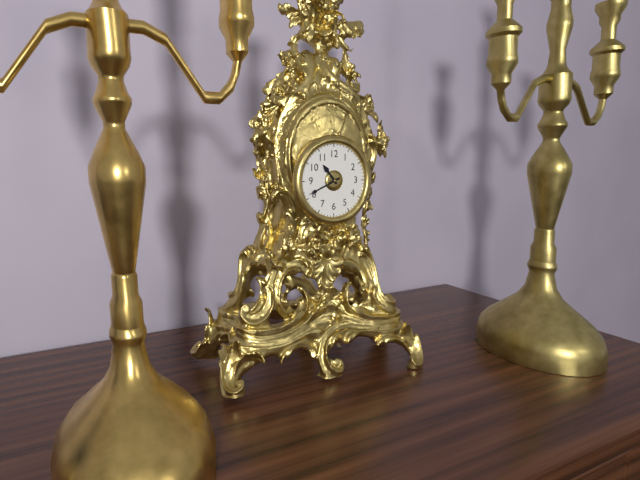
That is 10h41
